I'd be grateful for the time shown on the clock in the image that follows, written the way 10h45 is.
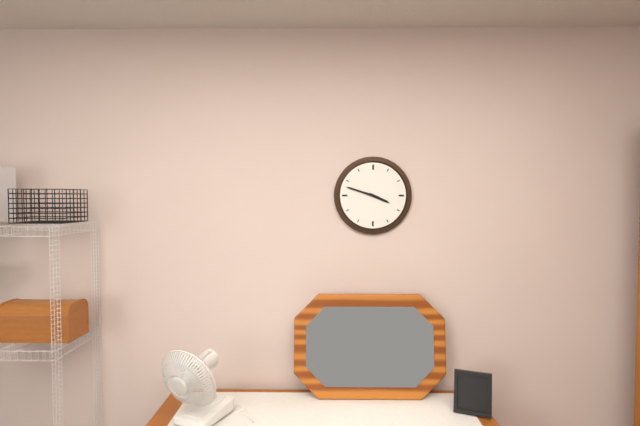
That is 3h48
